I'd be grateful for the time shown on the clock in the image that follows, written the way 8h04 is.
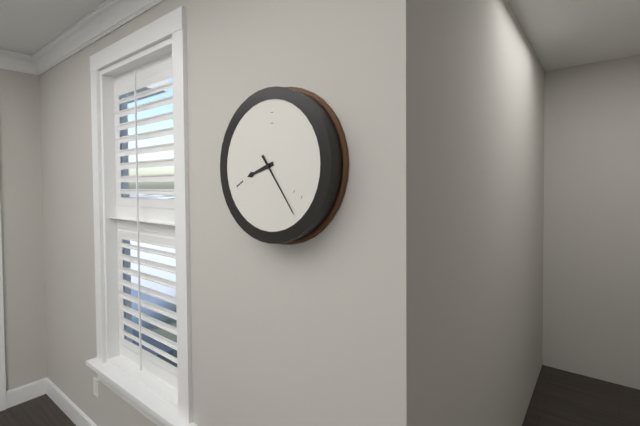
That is 8h24
